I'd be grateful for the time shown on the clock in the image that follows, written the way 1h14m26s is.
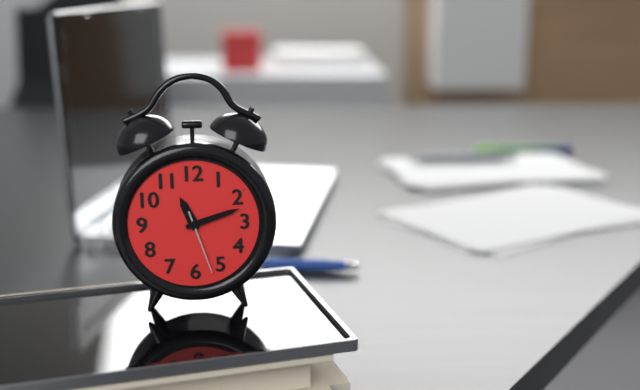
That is 11h12m27s
